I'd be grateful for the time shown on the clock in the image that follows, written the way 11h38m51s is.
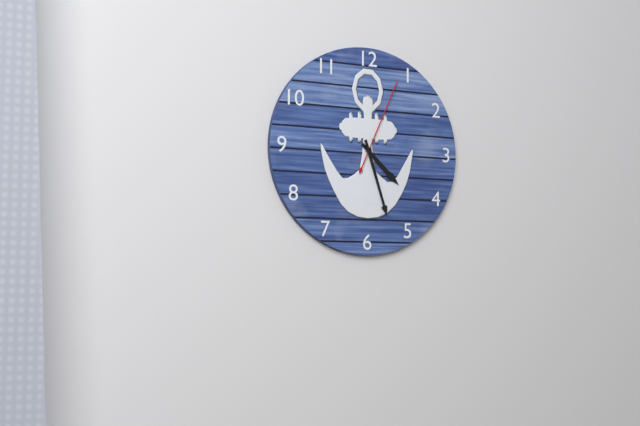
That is 4h27m04s
